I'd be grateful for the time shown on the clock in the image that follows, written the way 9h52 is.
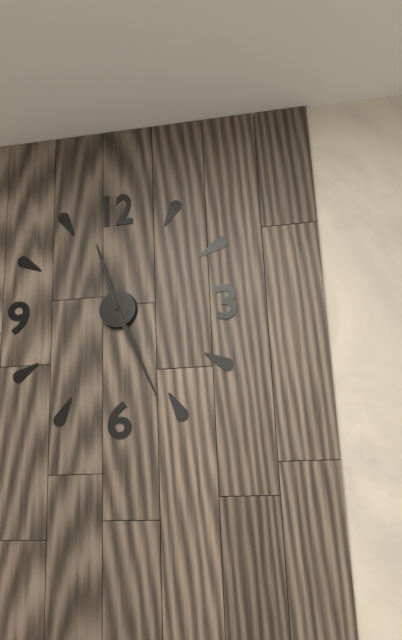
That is 11h26
